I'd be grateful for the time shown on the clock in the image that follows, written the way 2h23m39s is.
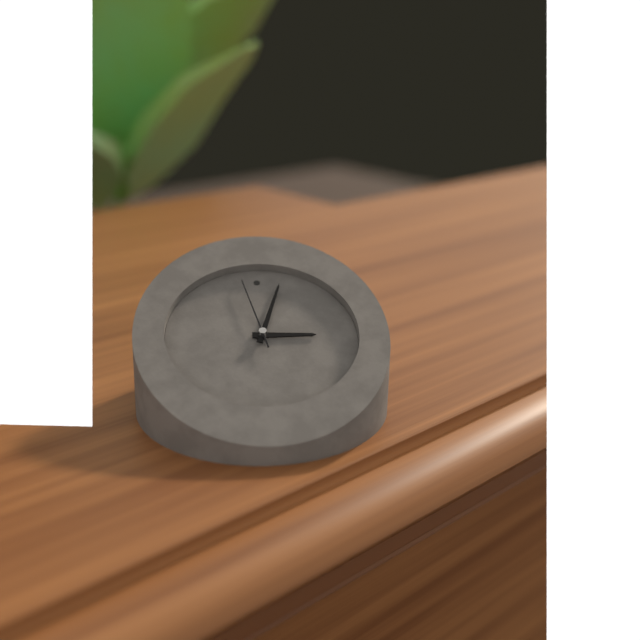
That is 3h03m58s
